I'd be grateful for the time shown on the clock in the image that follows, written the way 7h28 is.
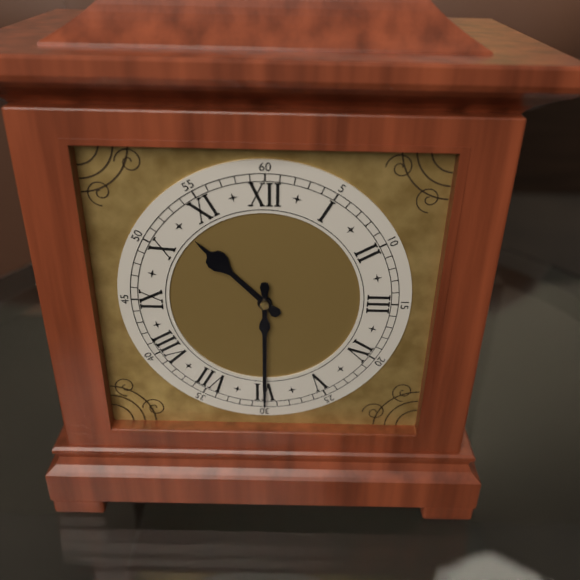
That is 10h30
